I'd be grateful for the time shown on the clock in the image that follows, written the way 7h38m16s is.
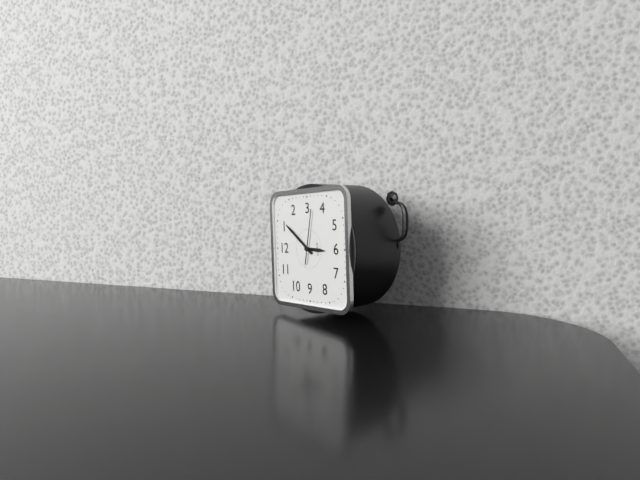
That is 6h06m17s
